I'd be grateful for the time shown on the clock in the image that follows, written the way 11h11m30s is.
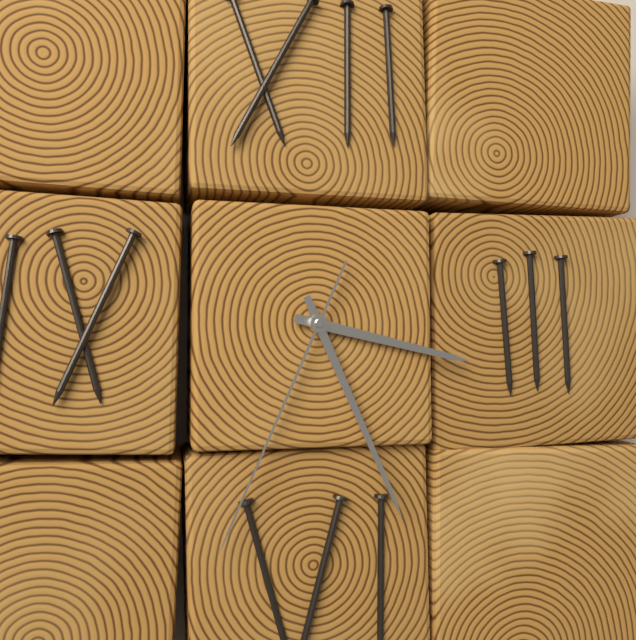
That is 3h26m34s
